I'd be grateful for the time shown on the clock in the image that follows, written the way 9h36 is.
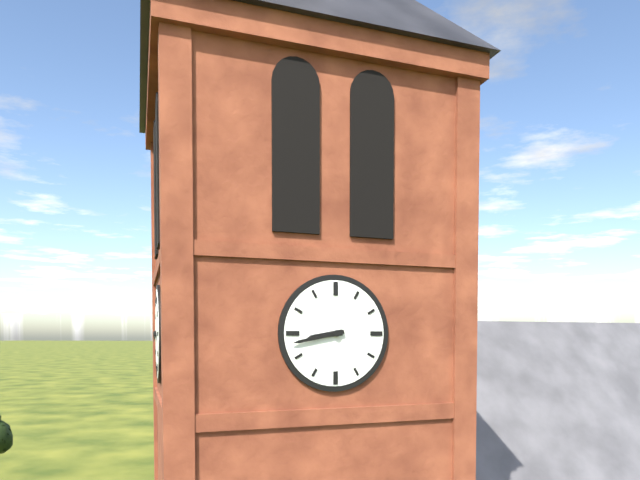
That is 8h43
